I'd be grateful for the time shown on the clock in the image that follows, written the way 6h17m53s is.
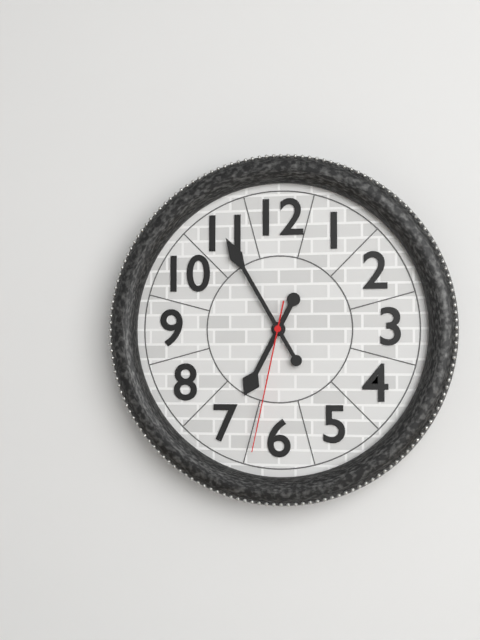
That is 6h55m32s
